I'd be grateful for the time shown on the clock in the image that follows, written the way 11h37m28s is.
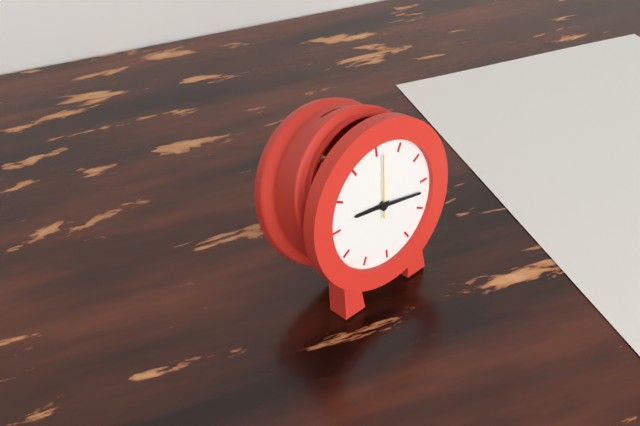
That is 9h17m01s
